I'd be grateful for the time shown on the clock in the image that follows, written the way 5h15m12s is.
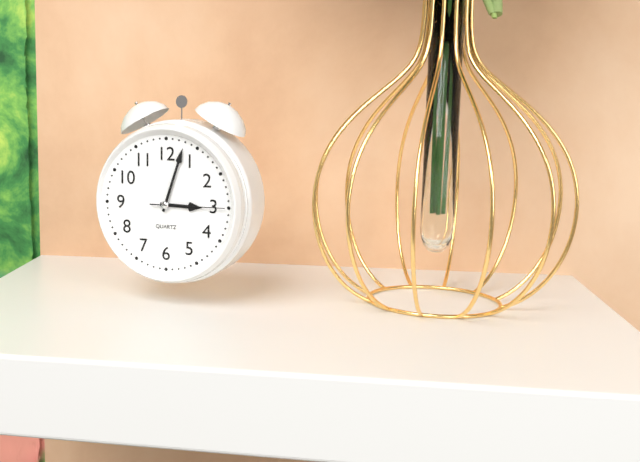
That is 3h03m15s
